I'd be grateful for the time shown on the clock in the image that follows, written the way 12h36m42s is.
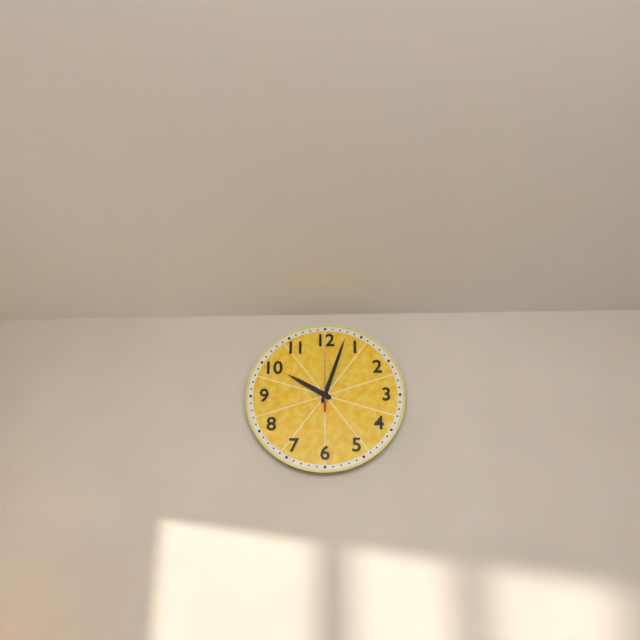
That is 10h03m00s
